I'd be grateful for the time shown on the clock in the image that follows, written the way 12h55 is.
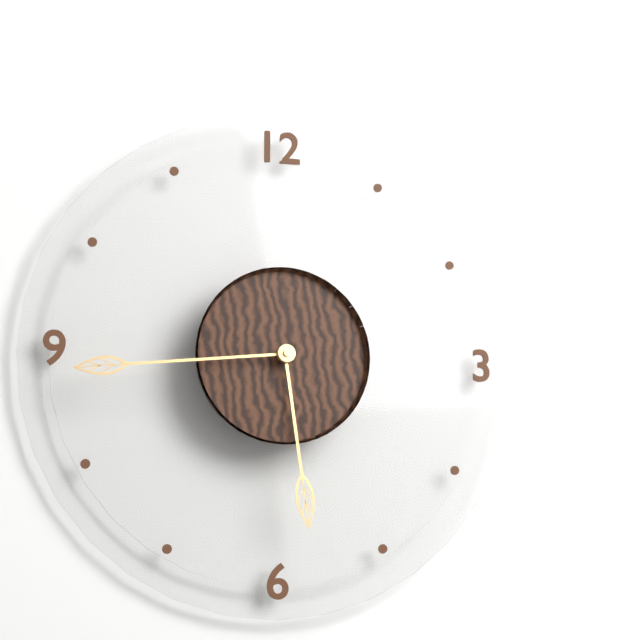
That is 5h44
